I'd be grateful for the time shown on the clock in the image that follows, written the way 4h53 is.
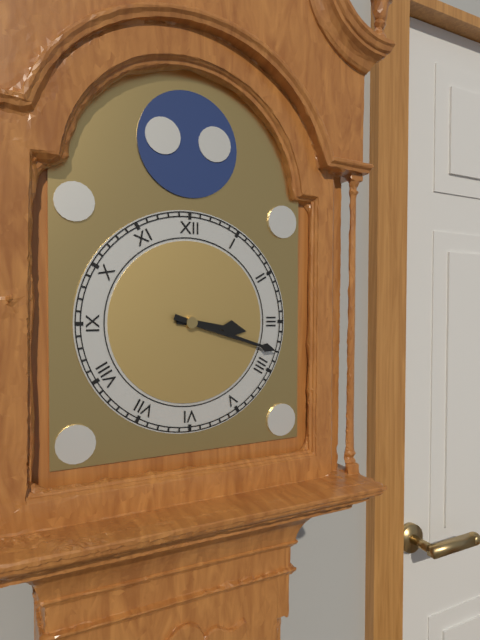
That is 3h18
